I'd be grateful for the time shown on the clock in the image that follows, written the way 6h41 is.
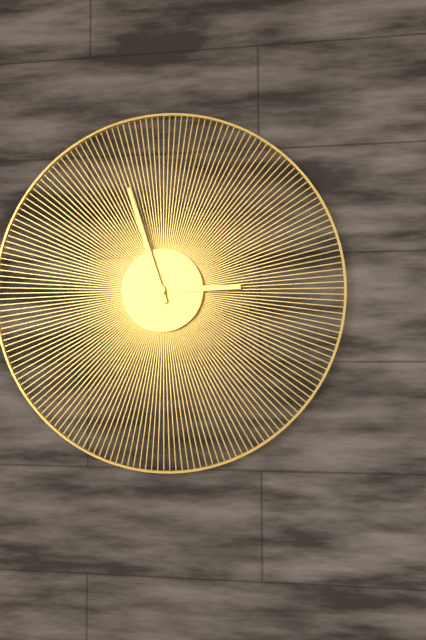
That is 2h57
